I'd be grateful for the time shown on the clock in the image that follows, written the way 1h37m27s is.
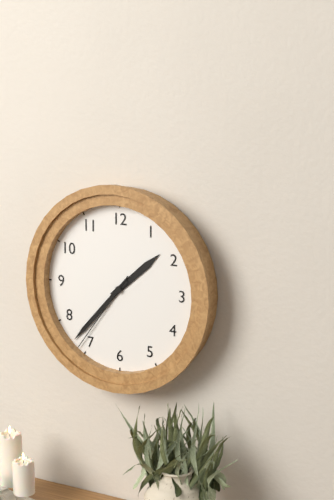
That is 1h37m36s
